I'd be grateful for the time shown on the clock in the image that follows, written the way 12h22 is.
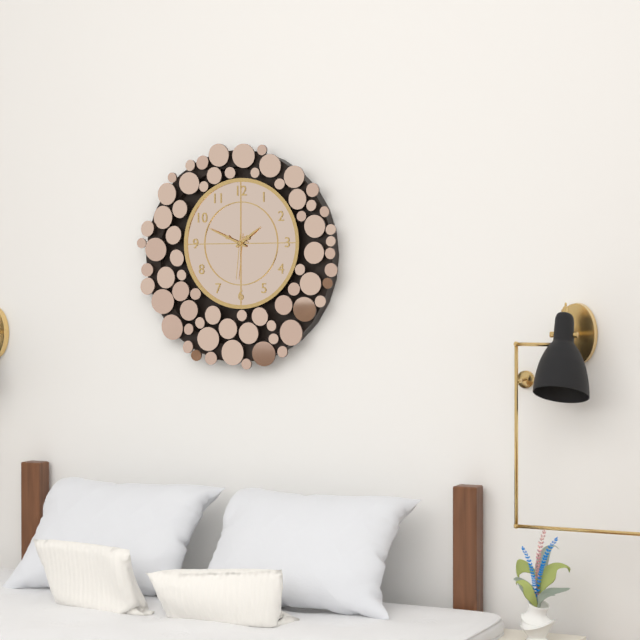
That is 1h49
